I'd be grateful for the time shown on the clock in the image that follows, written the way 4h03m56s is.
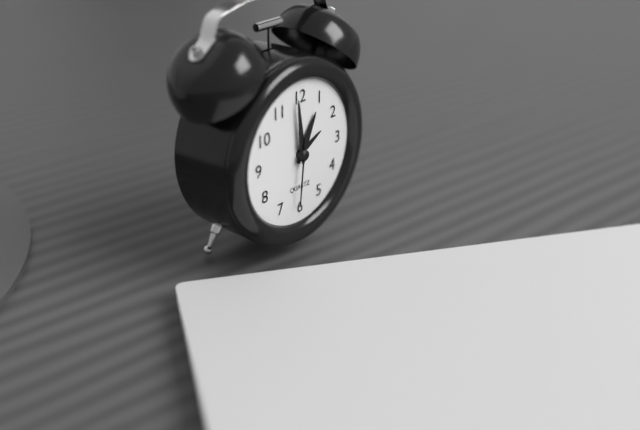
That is 12h59m31s
